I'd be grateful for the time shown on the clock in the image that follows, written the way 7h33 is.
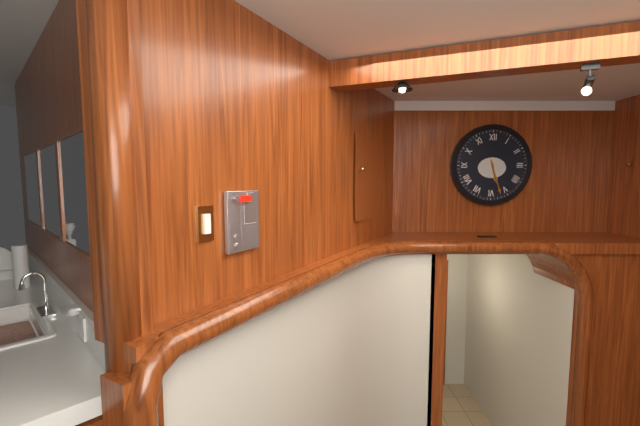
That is 5h27
